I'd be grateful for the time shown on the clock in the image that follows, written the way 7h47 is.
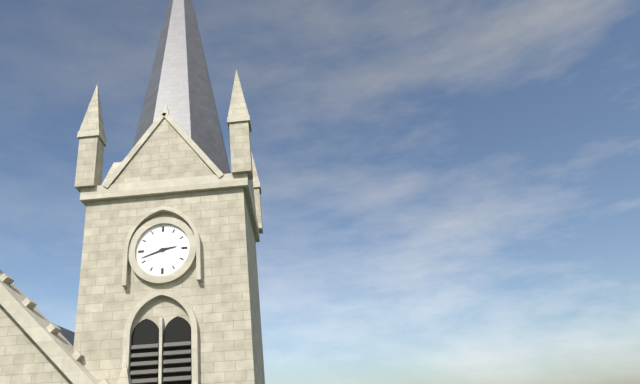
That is 2h42
